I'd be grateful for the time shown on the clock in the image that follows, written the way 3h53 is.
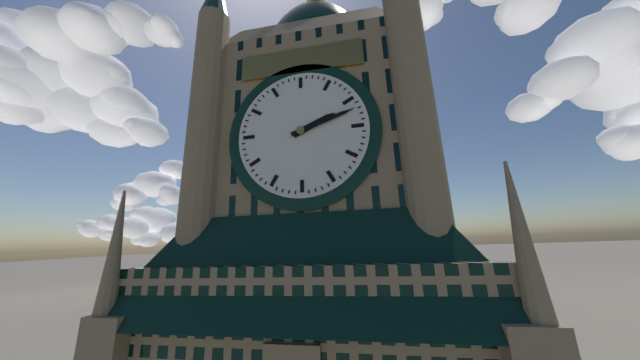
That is 2h12
